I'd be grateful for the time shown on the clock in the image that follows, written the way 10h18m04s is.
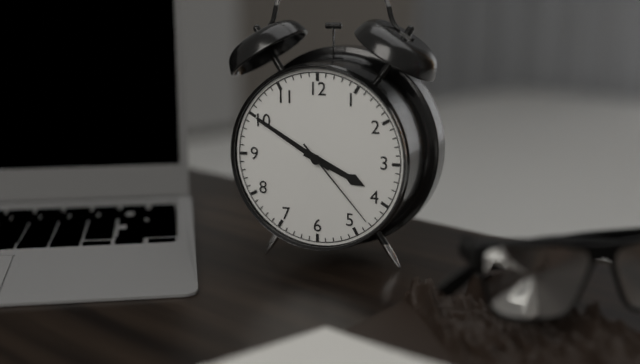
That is 3h50m23s
